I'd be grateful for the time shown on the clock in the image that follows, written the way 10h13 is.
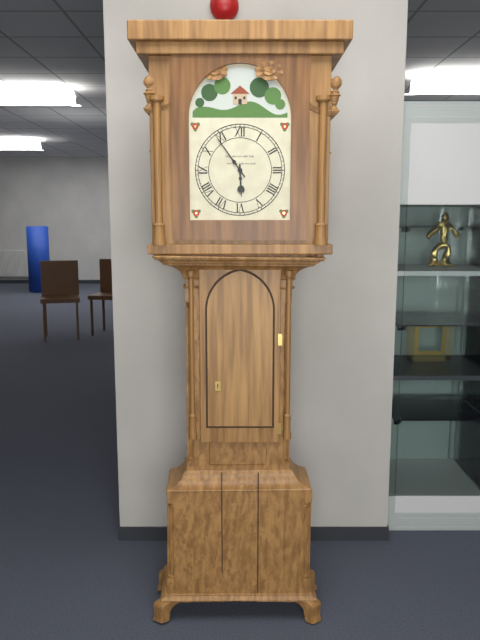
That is 5h54
